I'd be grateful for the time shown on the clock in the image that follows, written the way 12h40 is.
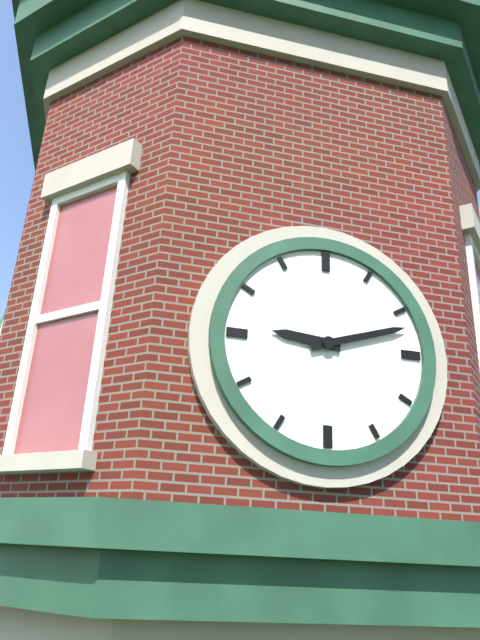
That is 9h12
